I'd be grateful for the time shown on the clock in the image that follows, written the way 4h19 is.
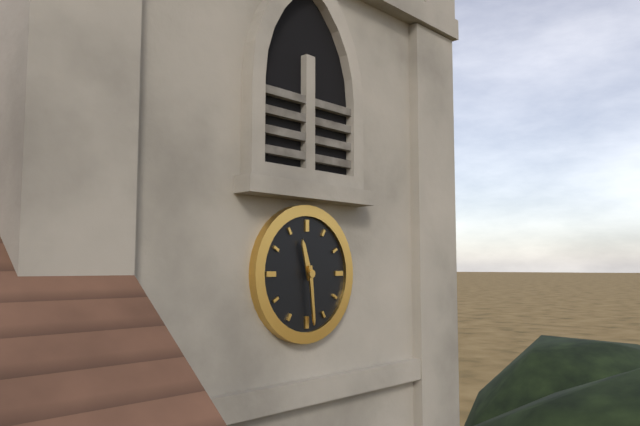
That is 11h29
